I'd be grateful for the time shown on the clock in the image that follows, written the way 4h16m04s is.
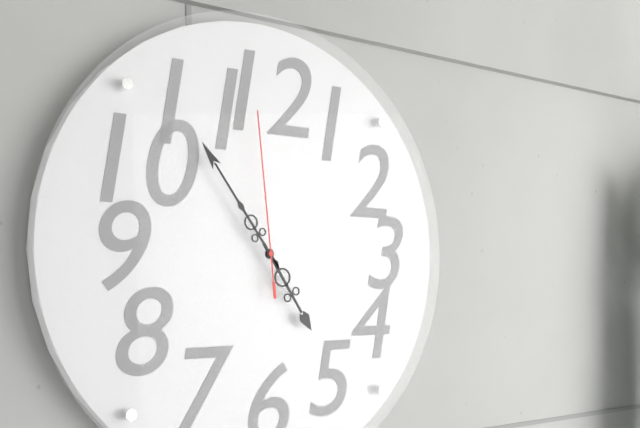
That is 4h54m59s
